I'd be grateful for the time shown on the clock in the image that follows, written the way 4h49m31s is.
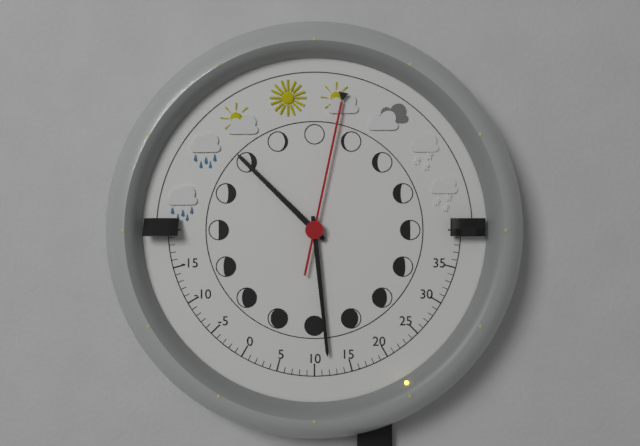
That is 10h29m02s
